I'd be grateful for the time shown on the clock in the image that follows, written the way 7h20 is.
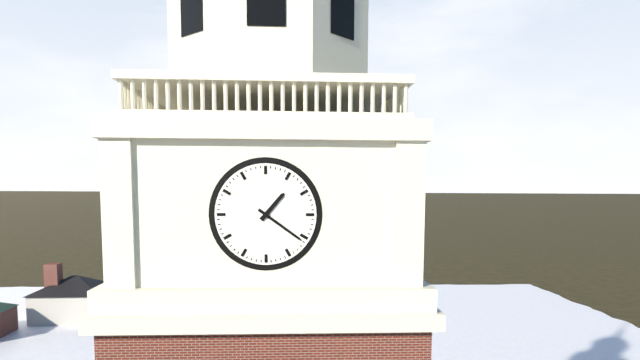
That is 1h21
